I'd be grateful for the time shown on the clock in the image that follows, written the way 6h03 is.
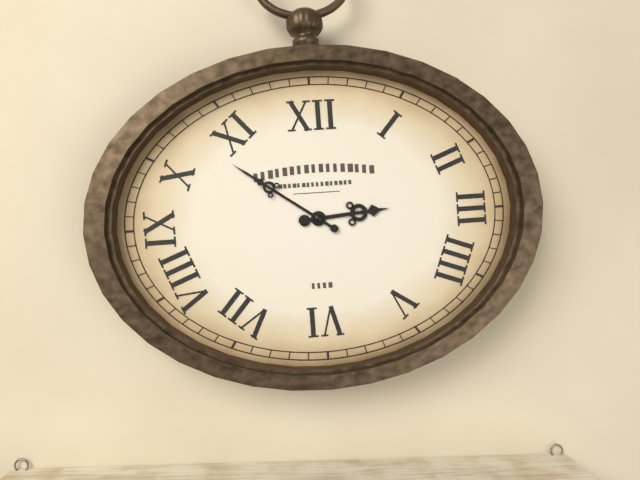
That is 2h51
